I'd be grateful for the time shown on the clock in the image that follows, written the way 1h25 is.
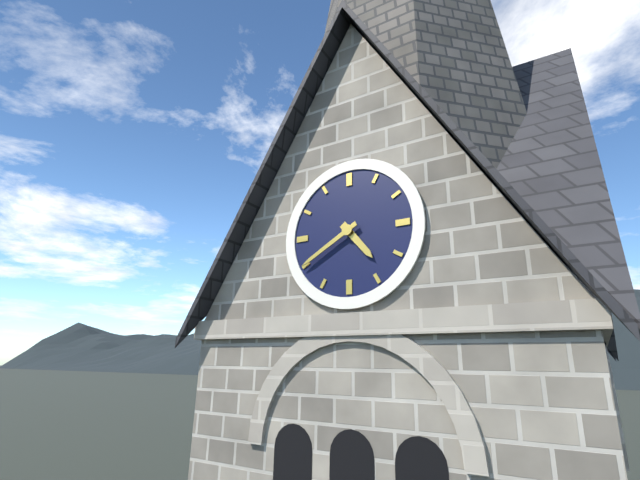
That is 4h40
